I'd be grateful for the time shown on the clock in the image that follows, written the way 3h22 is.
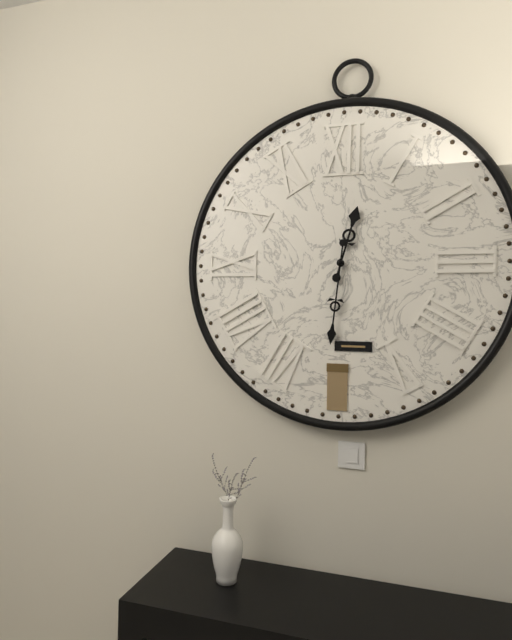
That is 12h31
